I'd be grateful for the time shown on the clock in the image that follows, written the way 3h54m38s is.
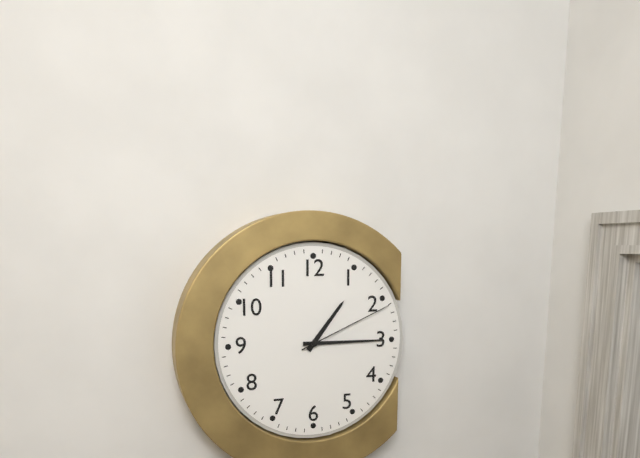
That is 1h15m11s
